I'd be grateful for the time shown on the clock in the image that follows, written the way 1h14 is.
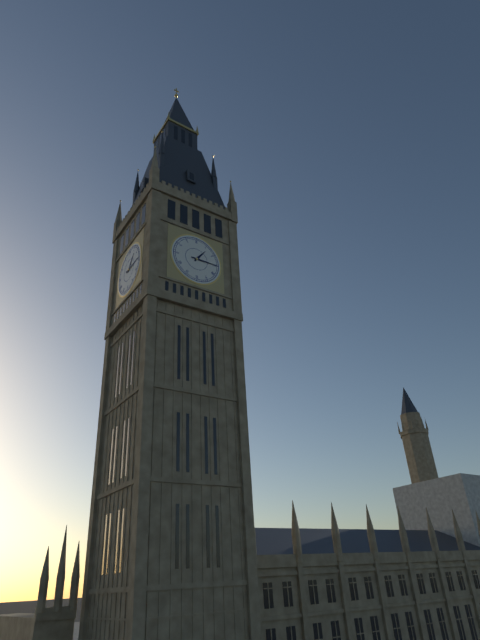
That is 1h15
